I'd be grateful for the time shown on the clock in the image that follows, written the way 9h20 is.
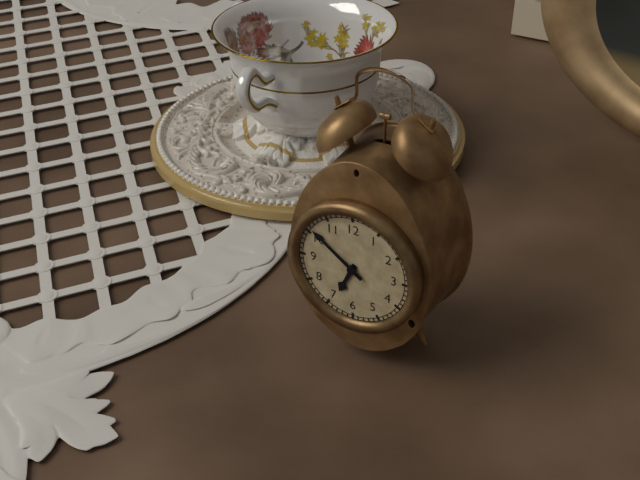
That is 6h51
